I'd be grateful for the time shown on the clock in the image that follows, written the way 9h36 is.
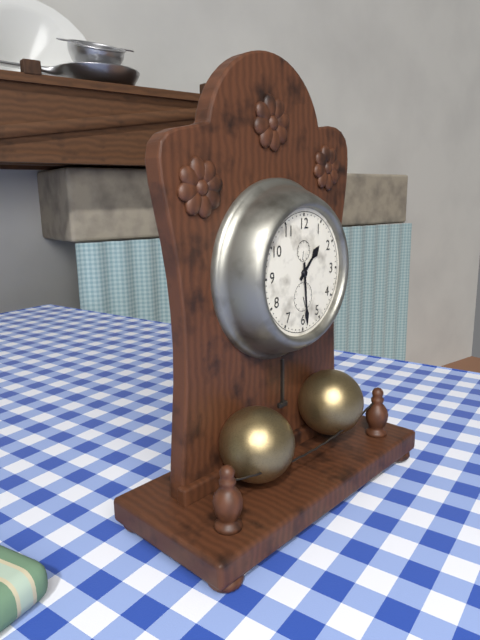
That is 1h29
